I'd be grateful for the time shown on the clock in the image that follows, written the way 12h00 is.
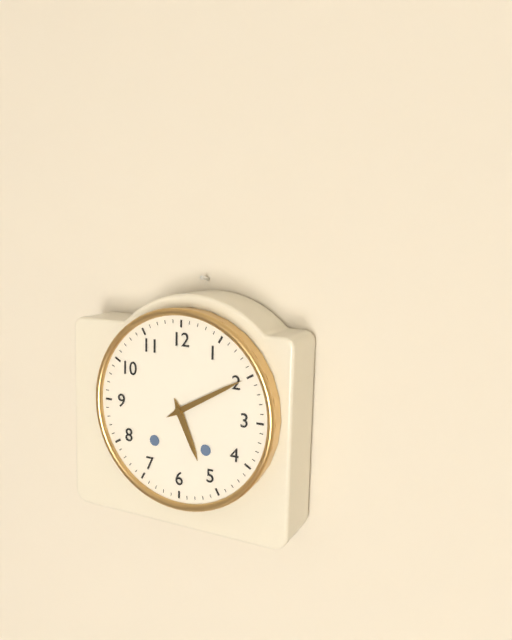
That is 5h10
